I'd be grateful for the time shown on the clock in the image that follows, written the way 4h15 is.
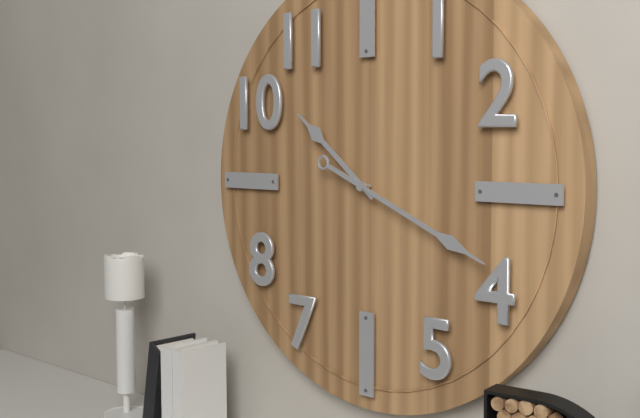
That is 10h19
